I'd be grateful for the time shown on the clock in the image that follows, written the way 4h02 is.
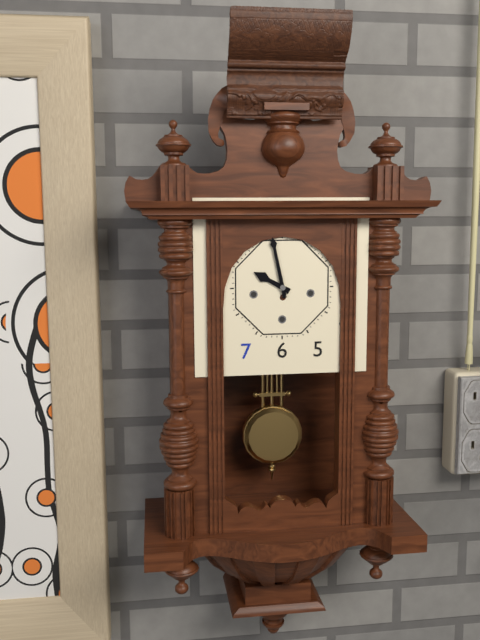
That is 9h58
